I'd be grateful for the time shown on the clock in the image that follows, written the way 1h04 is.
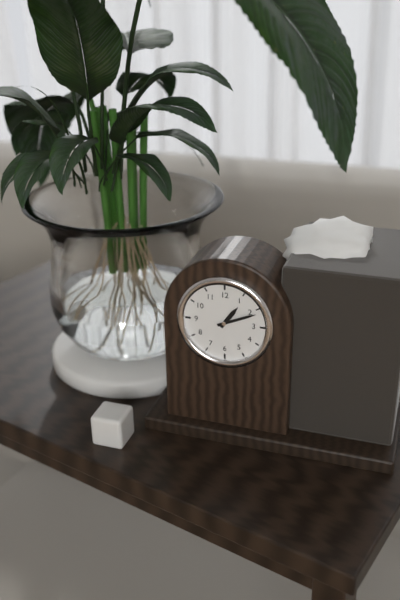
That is 1h11
